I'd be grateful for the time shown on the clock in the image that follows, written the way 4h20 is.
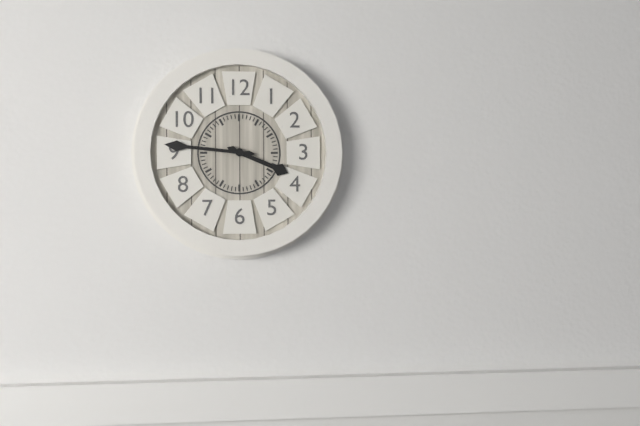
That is 3h46
